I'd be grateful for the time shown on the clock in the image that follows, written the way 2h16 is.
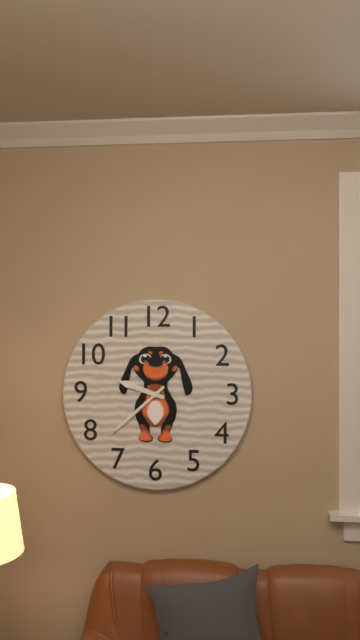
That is 9h38
